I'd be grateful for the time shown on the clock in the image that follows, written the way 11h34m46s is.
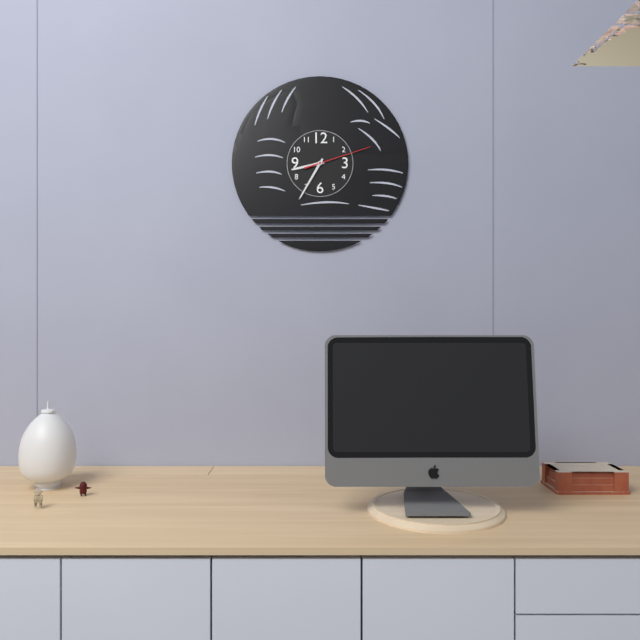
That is 8h35m12s
